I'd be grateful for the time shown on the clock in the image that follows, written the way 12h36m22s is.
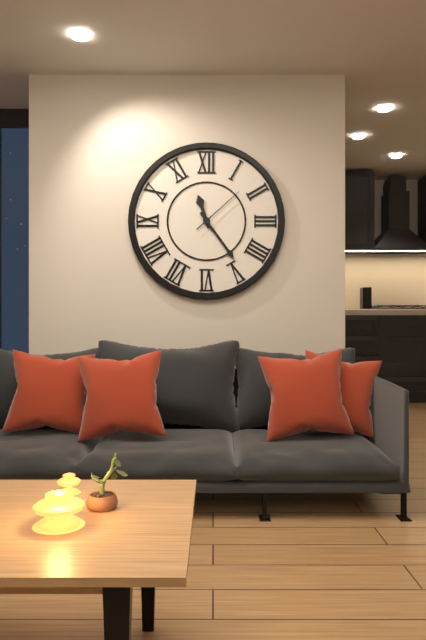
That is 11h24m08s
